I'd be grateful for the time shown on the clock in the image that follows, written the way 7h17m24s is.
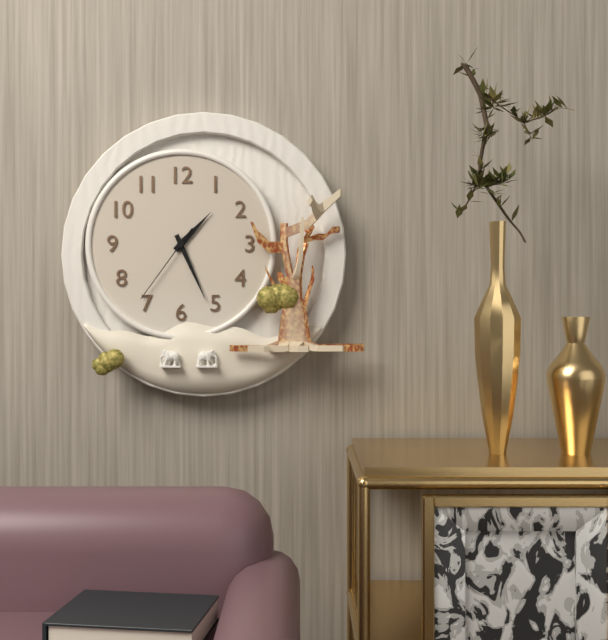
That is 1h26m36s
